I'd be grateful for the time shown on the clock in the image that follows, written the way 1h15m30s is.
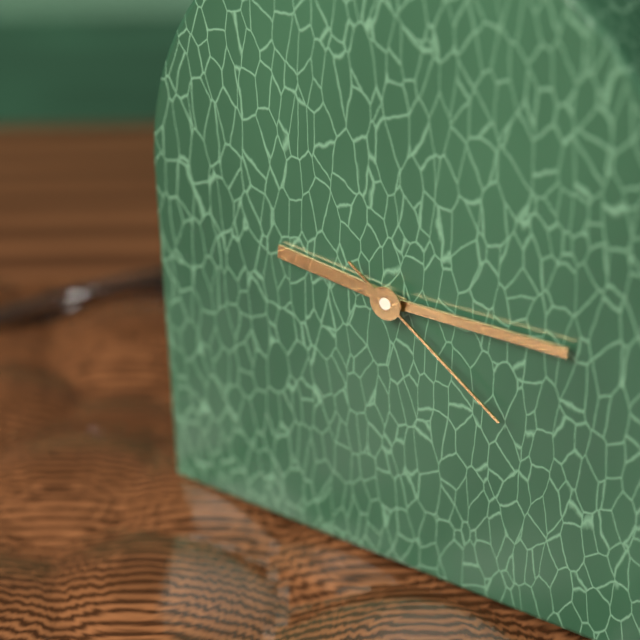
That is 9h15m21s
